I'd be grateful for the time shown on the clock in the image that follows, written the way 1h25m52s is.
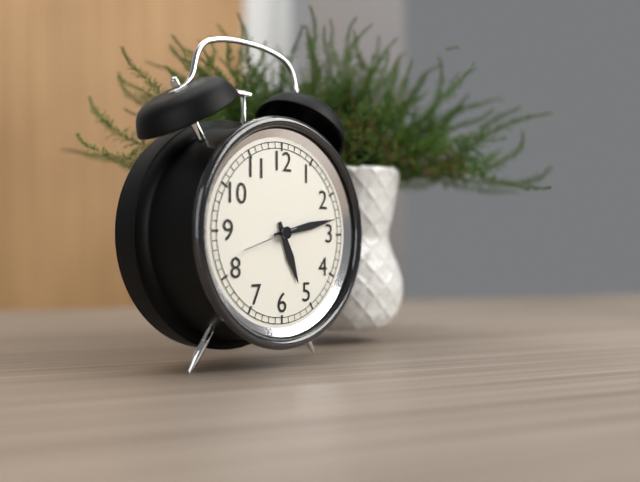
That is 5h13m42s
